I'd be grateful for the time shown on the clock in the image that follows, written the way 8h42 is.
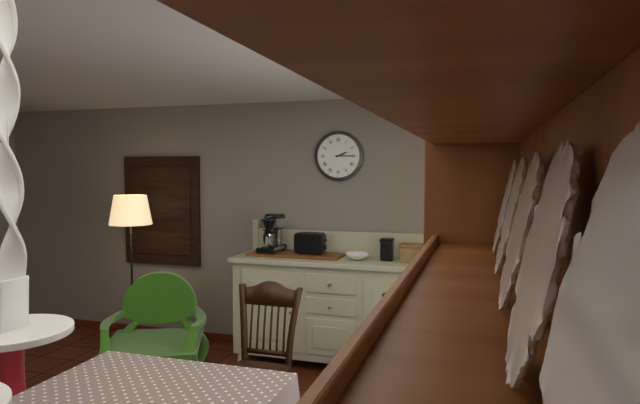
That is 2h15
